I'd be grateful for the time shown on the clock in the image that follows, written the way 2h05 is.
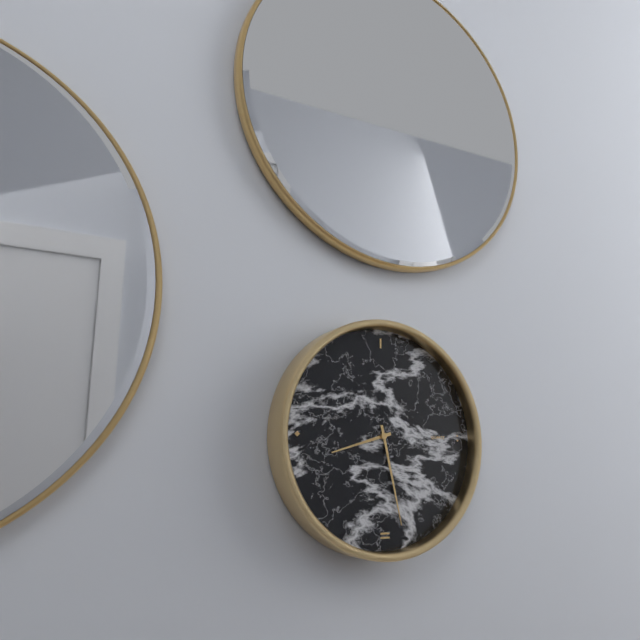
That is 8h28
